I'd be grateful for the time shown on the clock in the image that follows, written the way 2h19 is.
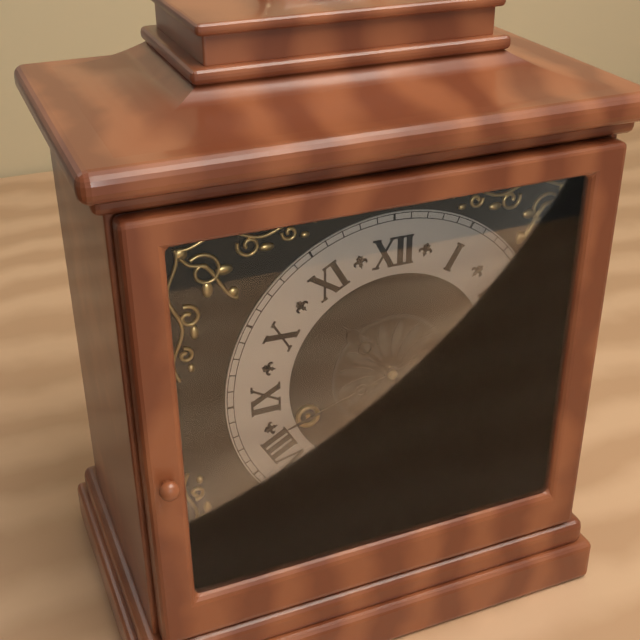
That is 10h42
